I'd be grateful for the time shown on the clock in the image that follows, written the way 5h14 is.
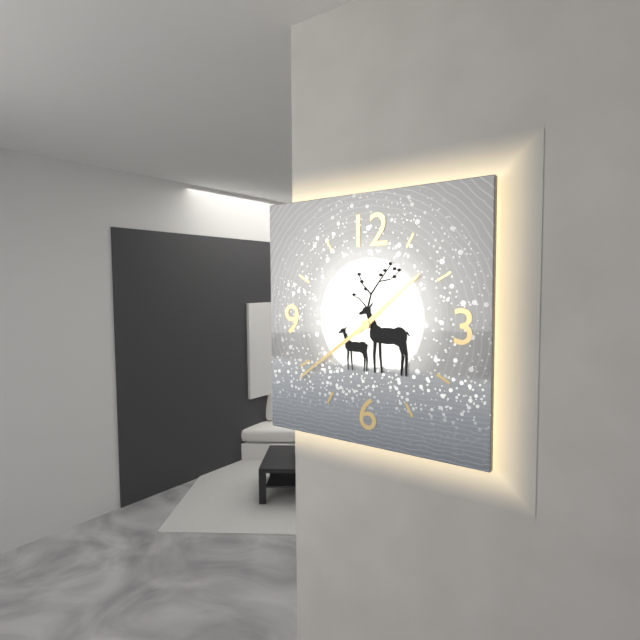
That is 1h39
